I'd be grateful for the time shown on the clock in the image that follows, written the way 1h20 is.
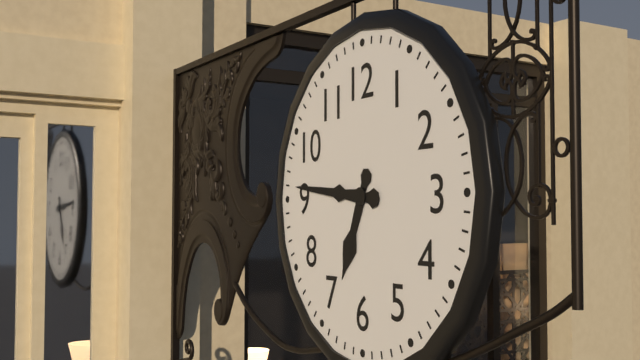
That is 6h46
